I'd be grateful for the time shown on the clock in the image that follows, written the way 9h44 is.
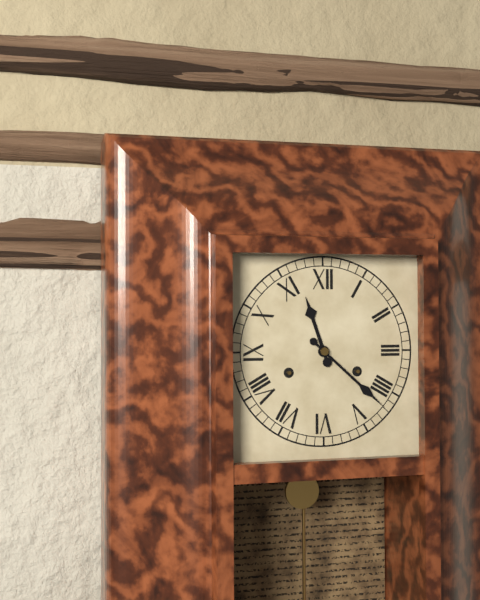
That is 11h22
